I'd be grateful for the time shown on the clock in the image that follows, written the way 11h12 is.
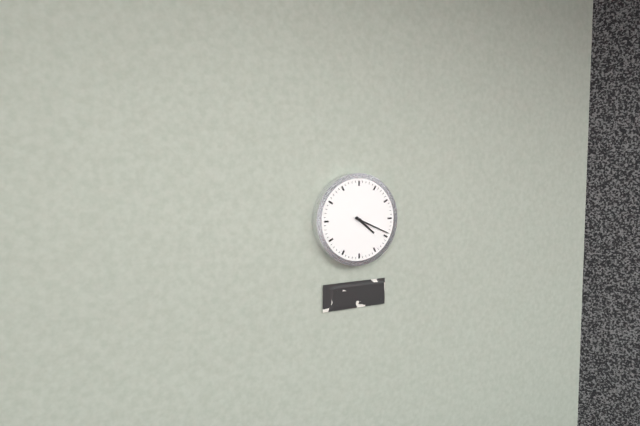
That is 4h19
